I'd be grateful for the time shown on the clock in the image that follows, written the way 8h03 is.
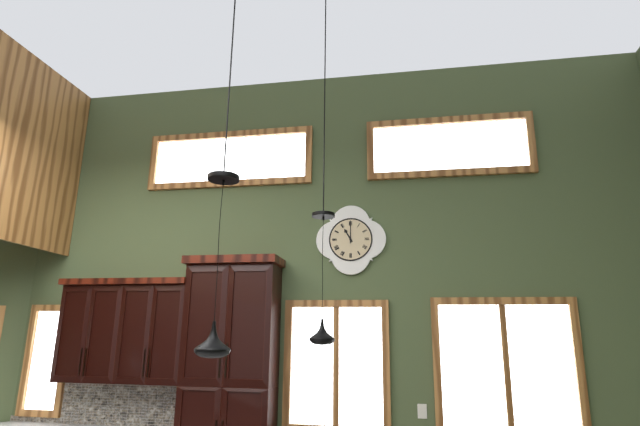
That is 11h00
